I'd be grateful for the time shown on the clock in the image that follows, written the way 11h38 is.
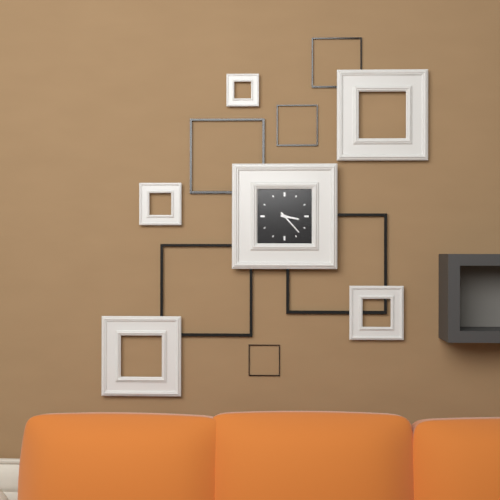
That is 3h23
